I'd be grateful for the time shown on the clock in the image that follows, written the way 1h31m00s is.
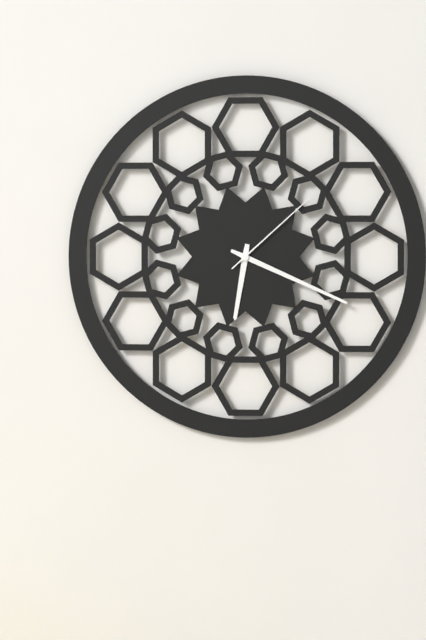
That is 6h19m08s
